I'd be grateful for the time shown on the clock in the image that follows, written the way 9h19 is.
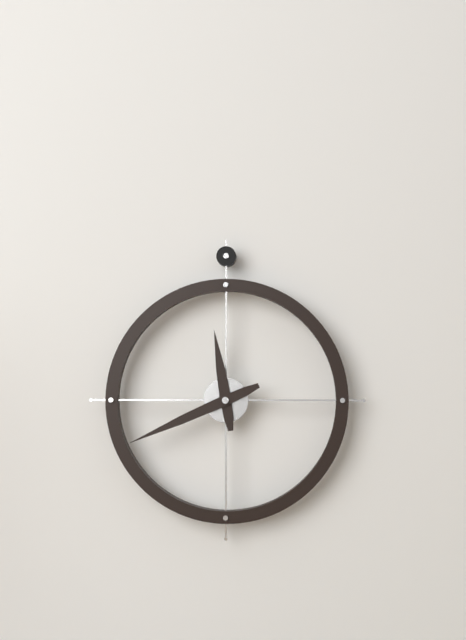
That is 11h41
